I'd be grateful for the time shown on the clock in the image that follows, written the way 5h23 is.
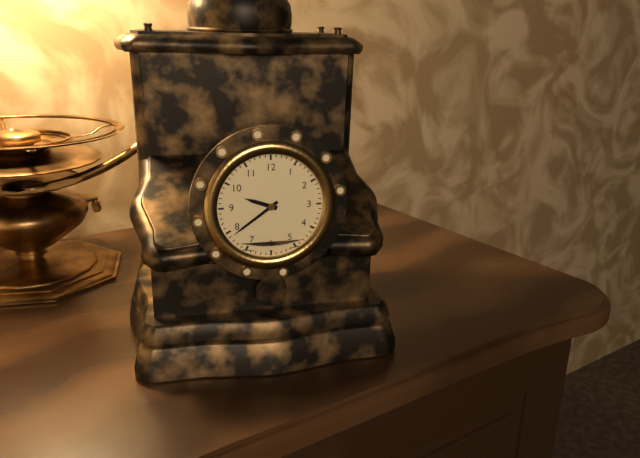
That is 9h39
